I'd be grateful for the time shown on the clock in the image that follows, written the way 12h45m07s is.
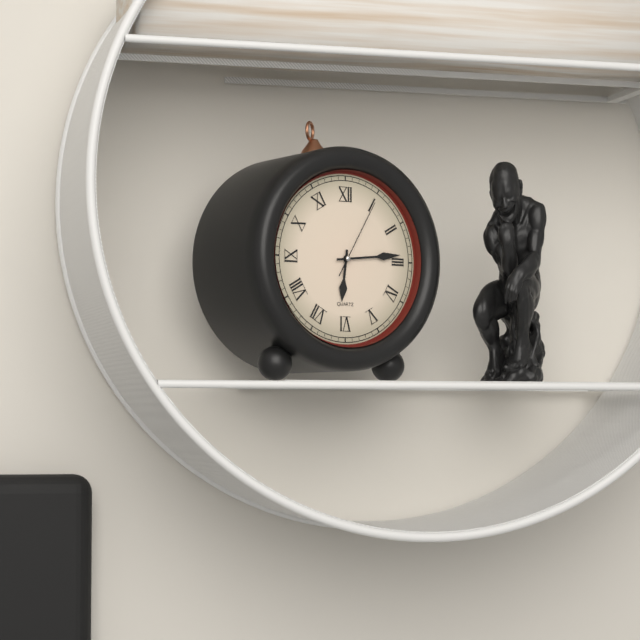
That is 6h14m05s
